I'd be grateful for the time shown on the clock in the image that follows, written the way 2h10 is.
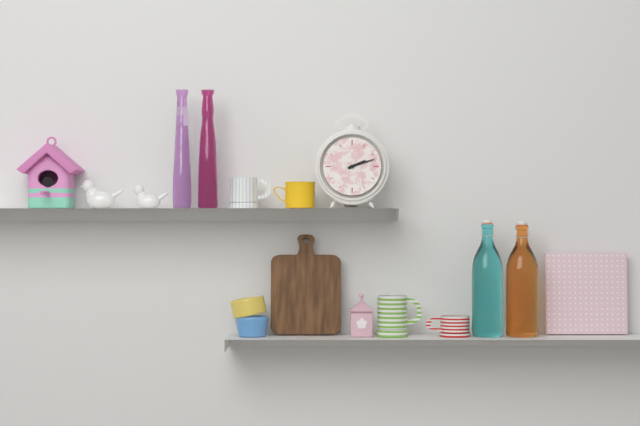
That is 2h12
